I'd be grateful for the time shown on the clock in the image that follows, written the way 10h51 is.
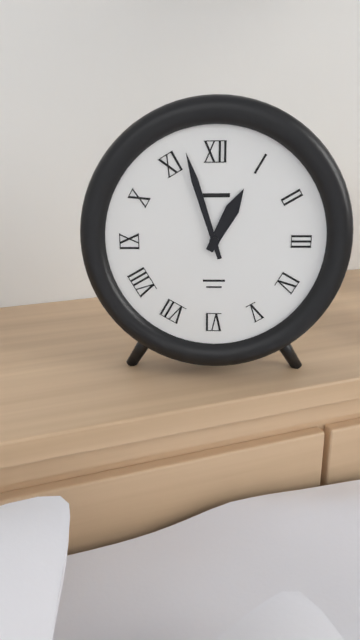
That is 12h57
